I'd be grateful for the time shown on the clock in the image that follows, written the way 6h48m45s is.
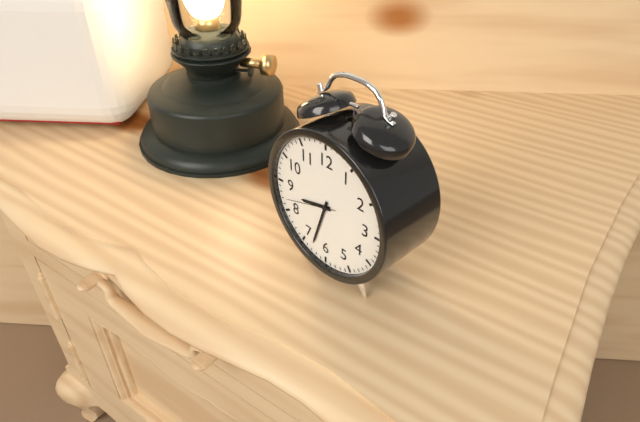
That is 8h33m42s
